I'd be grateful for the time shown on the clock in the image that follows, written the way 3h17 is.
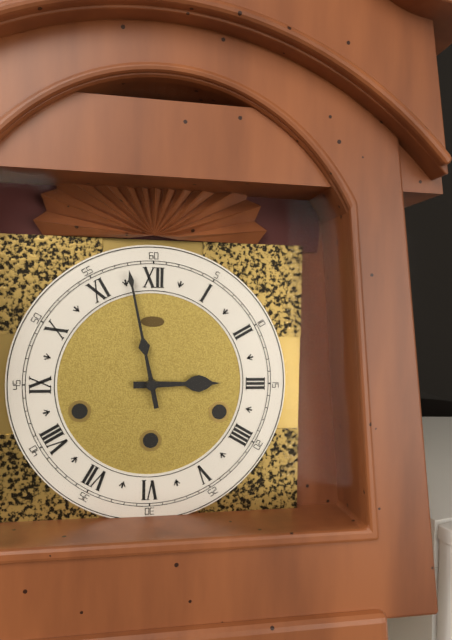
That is 2h58
